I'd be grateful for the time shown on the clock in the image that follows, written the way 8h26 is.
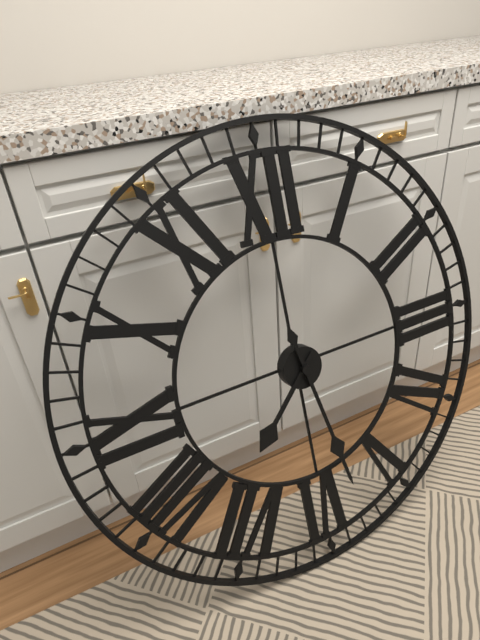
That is 7h28
